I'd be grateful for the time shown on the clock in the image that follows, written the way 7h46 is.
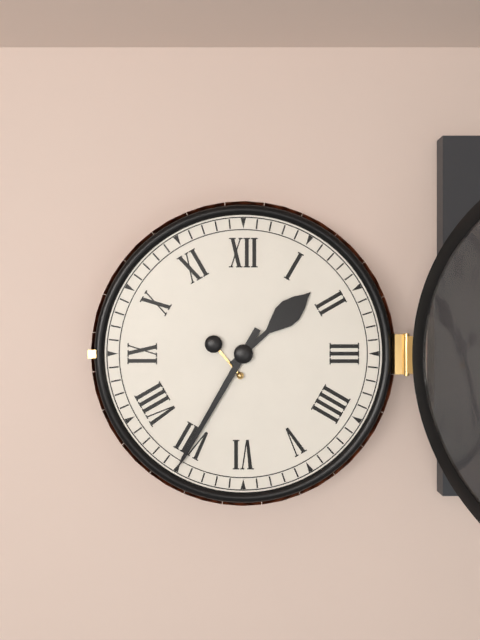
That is 1h35
